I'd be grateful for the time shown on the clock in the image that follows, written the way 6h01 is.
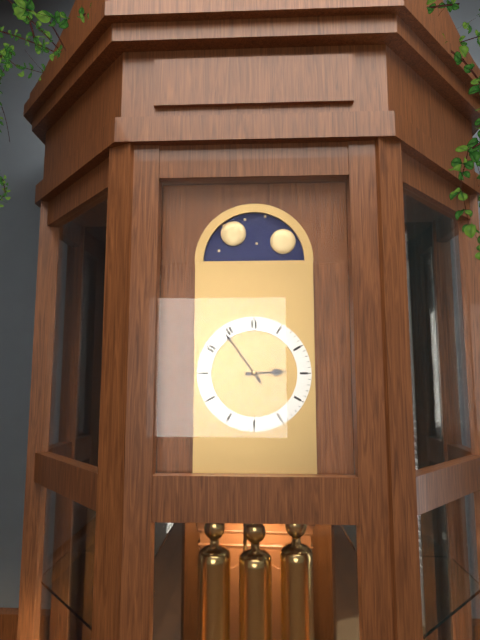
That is 2h54
